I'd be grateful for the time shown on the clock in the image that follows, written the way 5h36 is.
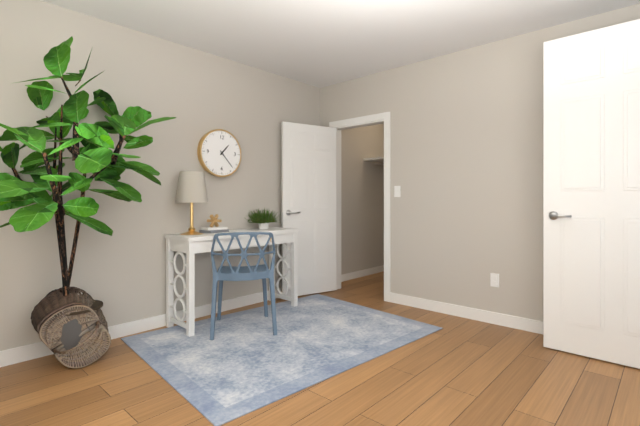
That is 1h23
